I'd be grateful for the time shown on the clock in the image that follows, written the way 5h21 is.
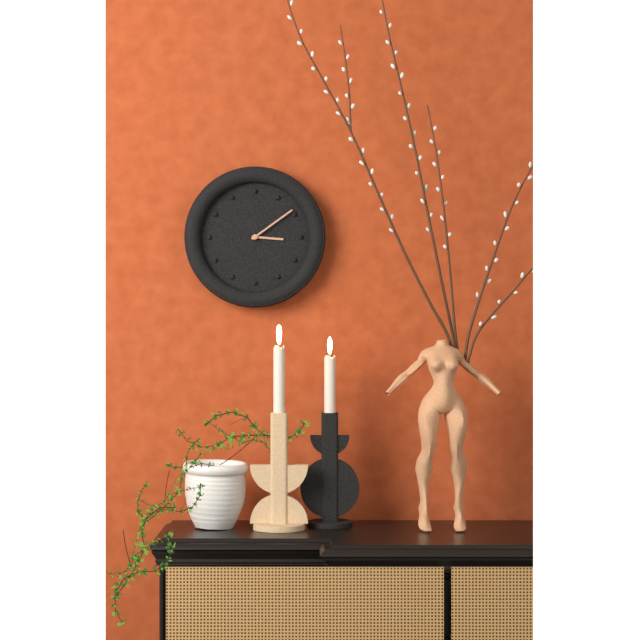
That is 3h09
